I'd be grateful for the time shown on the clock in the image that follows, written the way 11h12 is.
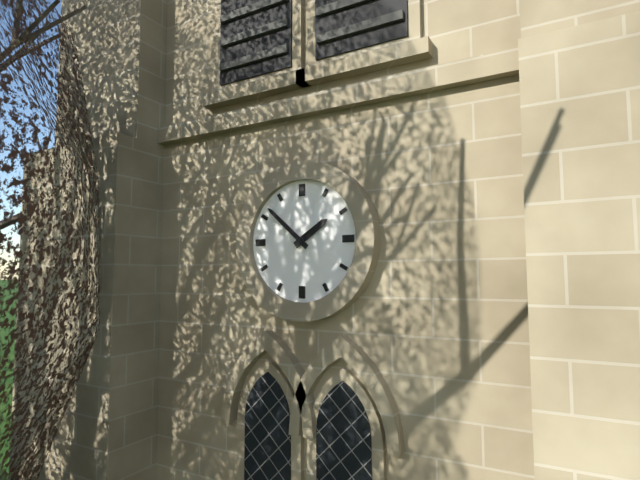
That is 1h52
